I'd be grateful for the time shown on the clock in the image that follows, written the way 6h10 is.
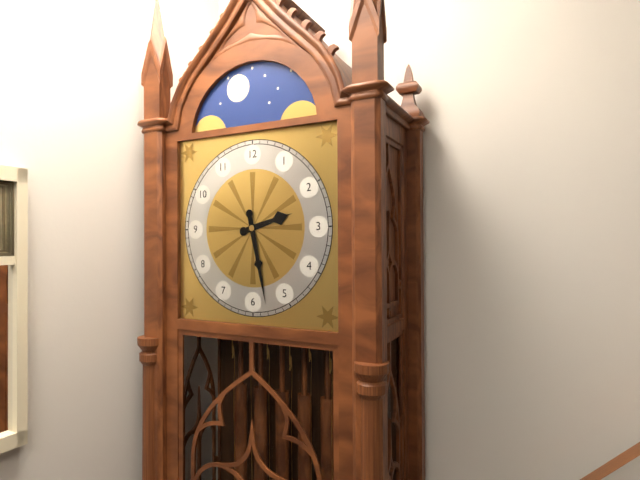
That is 2h28
